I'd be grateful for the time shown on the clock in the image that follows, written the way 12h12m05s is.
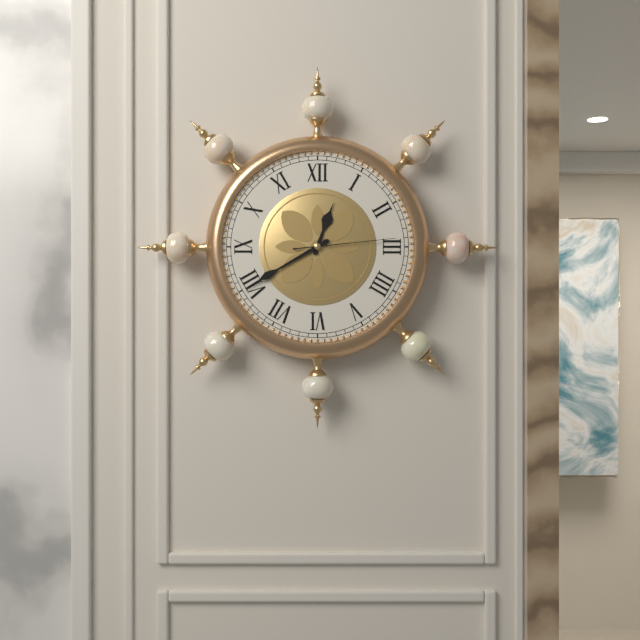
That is 12h40m14s
